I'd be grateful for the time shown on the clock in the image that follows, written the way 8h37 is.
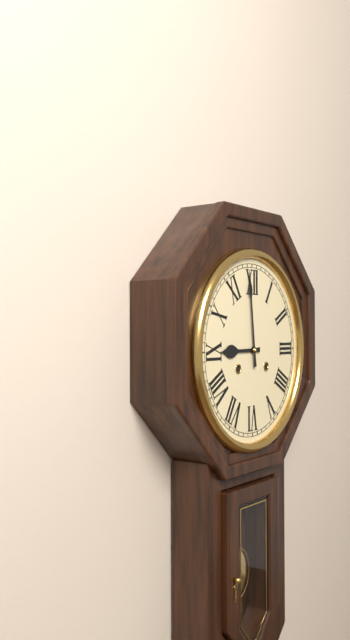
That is 8h59
